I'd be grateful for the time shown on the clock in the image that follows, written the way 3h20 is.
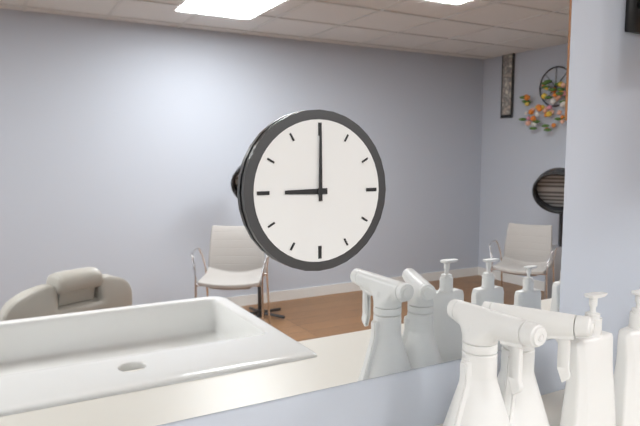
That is 9h00
